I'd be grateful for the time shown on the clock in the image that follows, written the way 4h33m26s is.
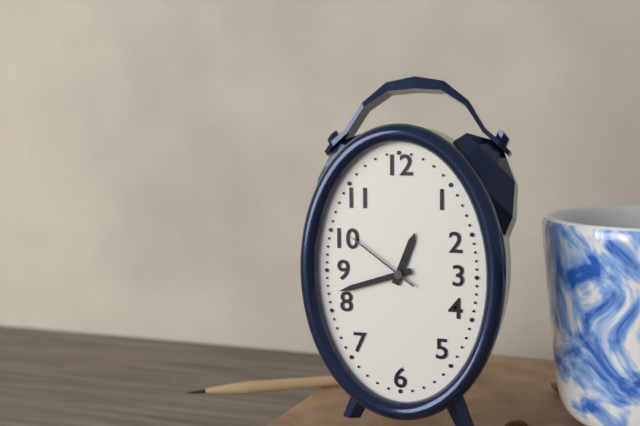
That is 12h42m51s
